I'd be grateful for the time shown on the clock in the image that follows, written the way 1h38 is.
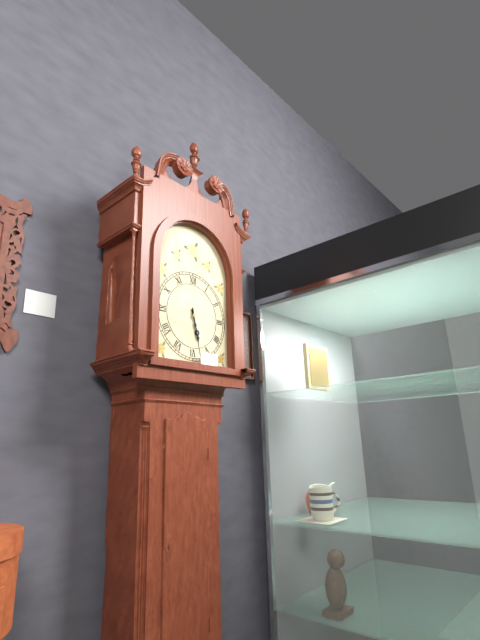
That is 5h28
